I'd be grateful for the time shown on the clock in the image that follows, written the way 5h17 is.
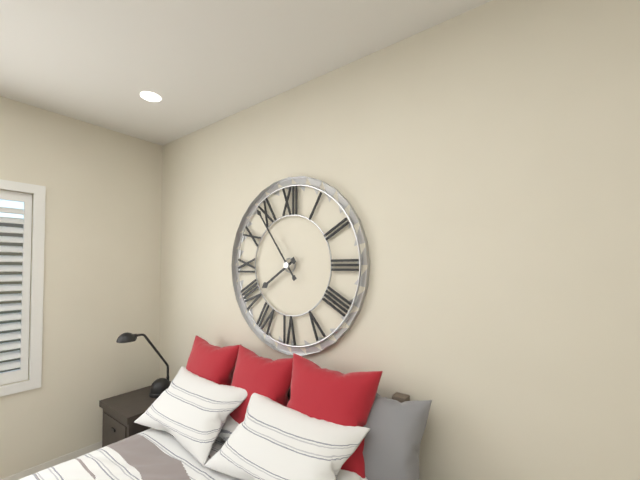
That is 7h54
